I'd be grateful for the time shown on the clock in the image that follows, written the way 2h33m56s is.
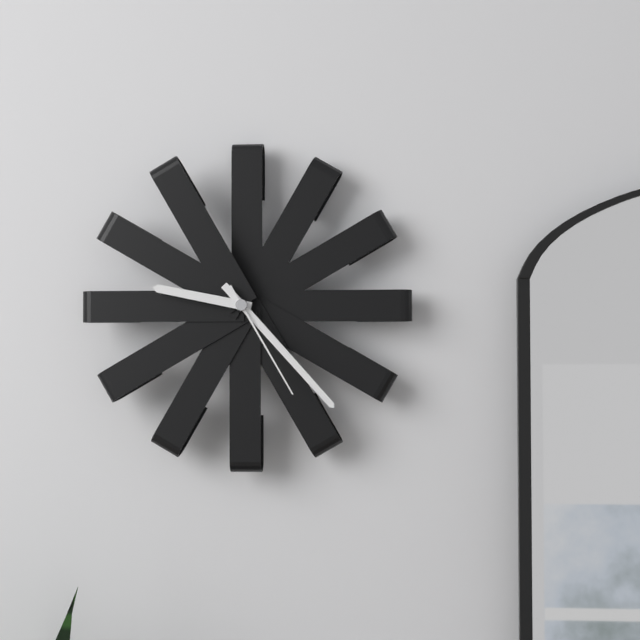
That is 9h23m25s
